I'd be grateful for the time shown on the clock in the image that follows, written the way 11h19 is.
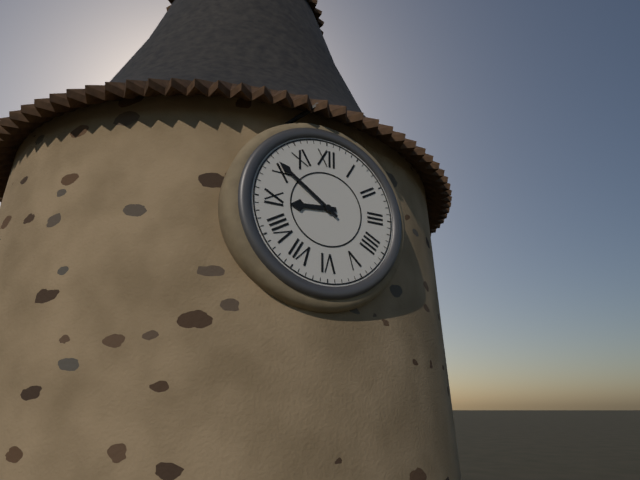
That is 8h51
